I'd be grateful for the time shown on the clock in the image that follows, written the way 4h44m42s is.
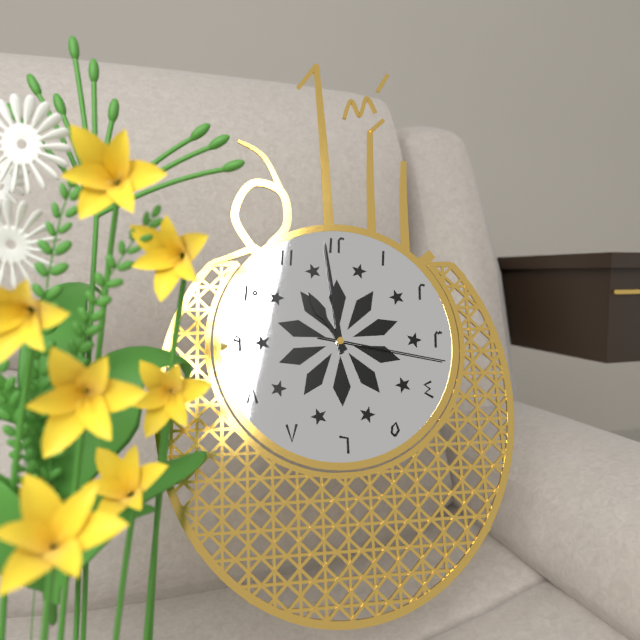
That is 10h59m17s
